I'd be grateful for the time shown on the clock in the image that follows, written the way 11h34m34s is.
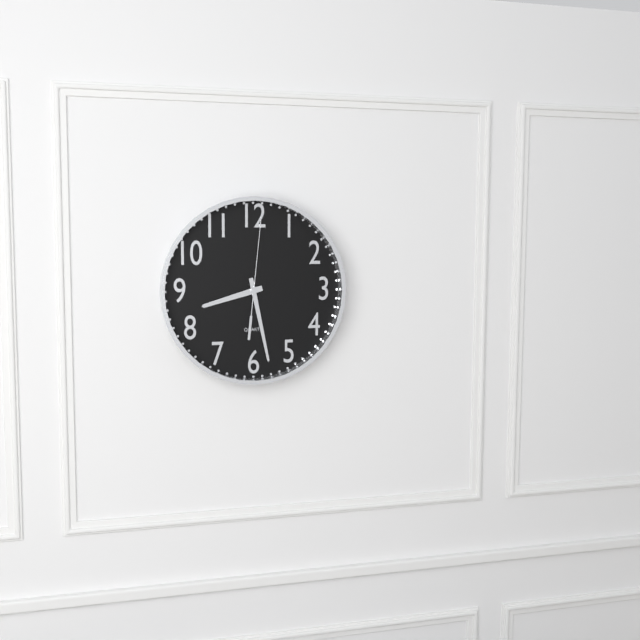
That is 8h28m01s
